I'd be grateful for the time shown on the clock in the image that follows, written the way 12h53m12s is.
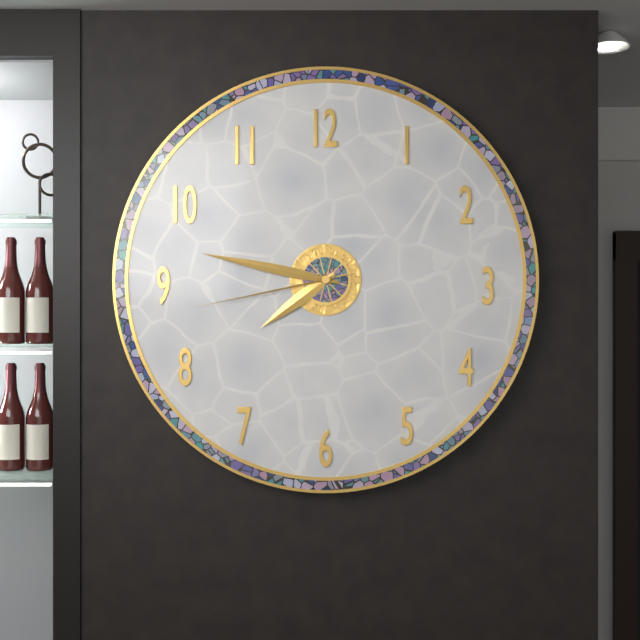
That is 7h47m43s
